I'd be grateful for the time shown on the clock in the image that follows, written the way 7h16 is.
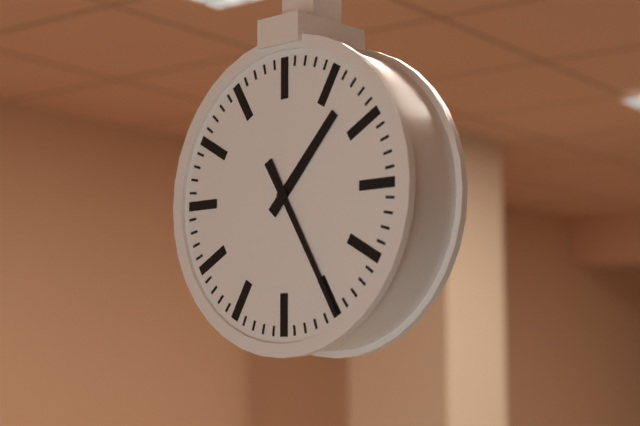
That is 1h25
